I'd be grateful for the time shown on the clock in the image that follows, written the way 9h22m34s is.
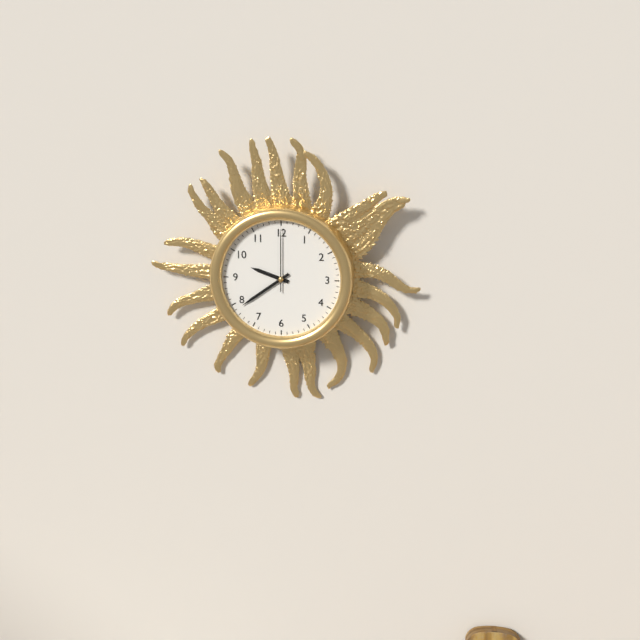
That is 9h39m00s
